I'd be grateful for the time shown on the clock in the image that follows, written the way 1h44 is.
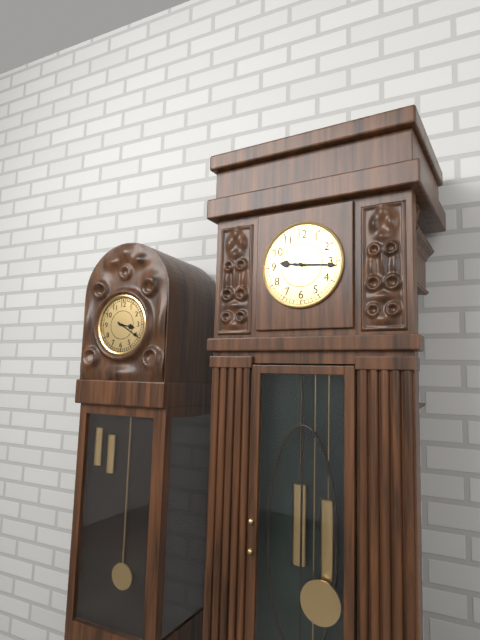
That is 9h16
